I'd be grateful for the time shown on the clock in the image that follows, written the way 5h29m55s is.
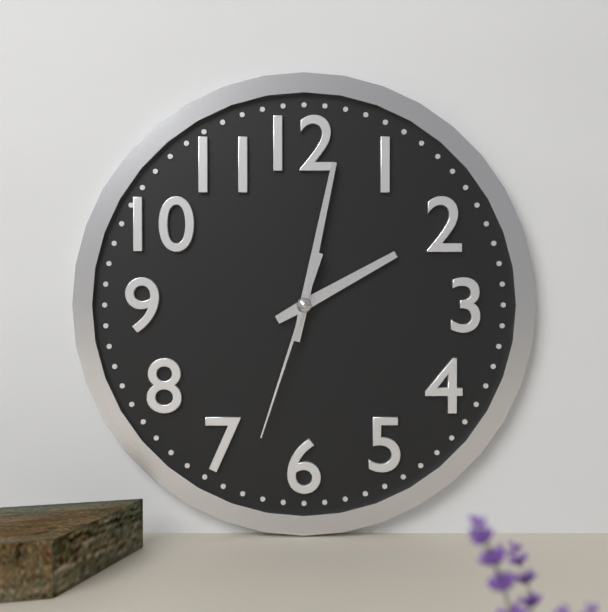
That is 2h02m33s
